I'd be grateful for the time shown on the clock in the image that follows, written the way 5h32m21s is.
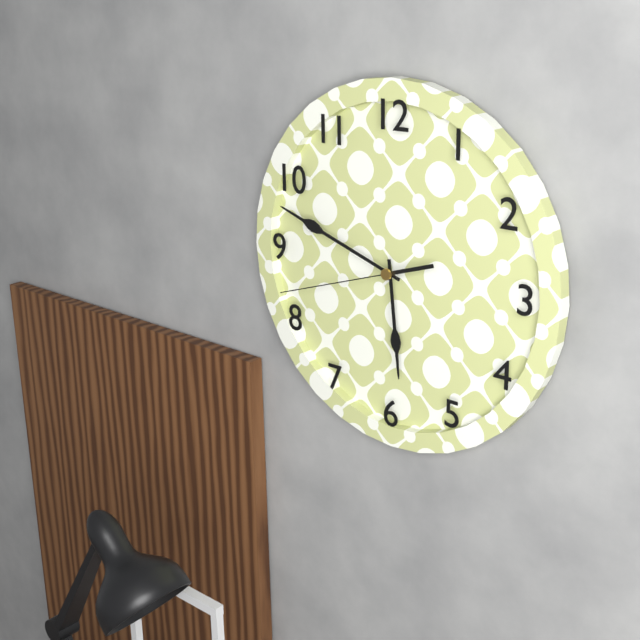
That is 5h48m42s
